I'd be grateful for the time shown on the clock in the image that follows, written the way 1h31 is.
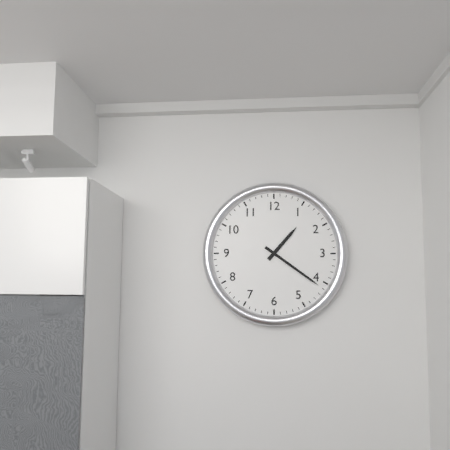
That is 1h21
